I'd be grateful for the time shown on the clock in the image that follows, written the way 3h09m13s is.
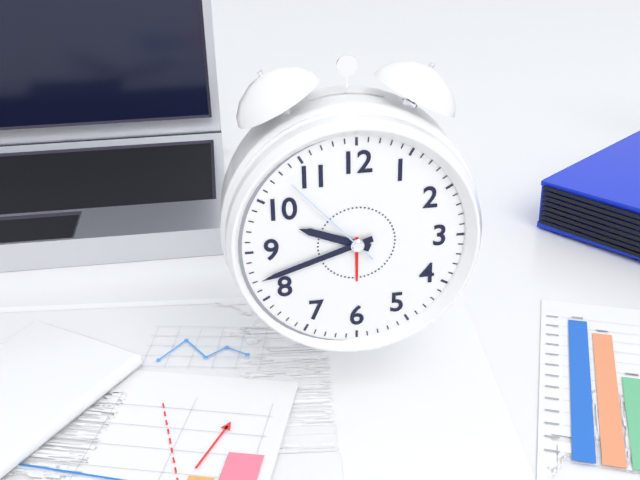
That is 9h42m53s
